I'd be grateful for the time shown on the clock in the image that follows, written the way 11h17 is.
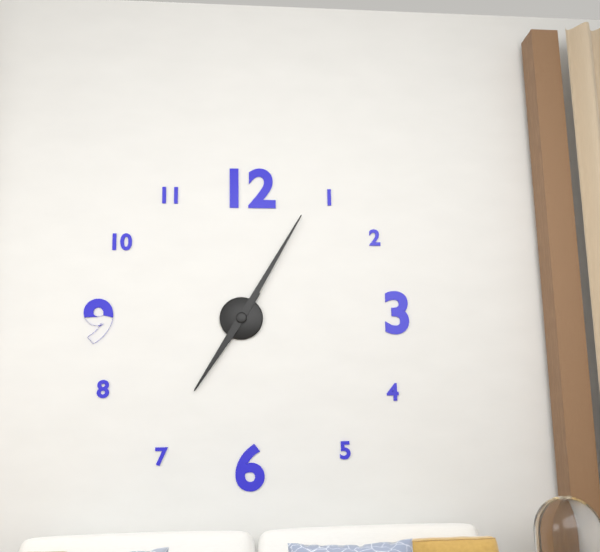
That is 7h05
